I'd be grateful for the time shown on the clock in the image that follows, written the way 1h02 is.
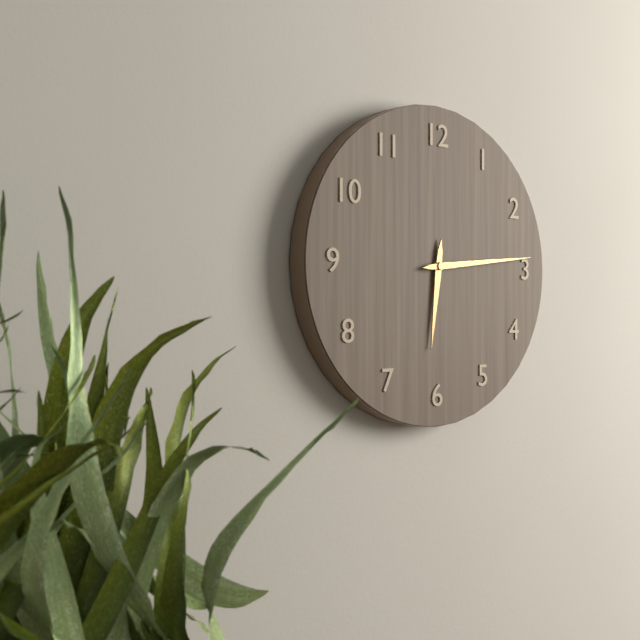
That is 6h14
